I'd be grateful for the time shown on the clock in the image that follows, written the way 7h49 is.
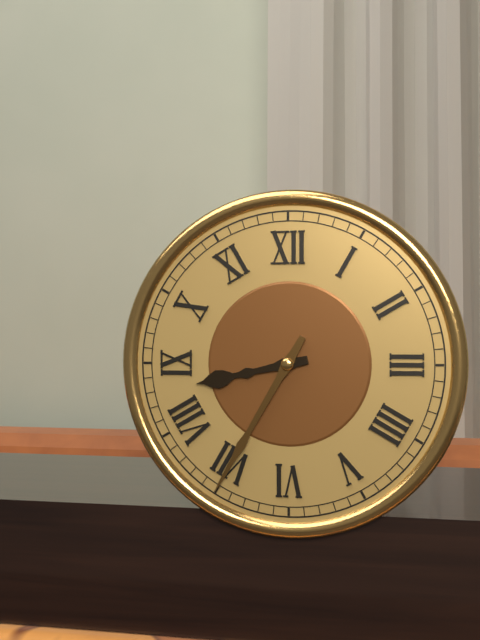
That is 8h35
